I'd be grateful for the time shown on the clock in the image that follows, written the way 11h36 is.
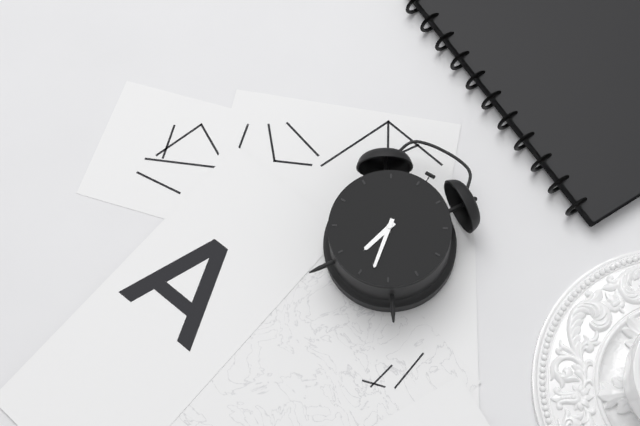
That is 6h28
